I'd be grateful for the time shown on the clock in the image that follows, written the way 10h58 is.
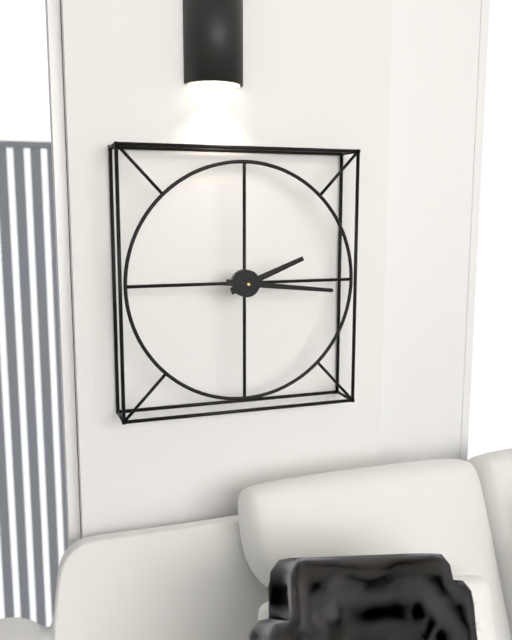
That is 2h16
